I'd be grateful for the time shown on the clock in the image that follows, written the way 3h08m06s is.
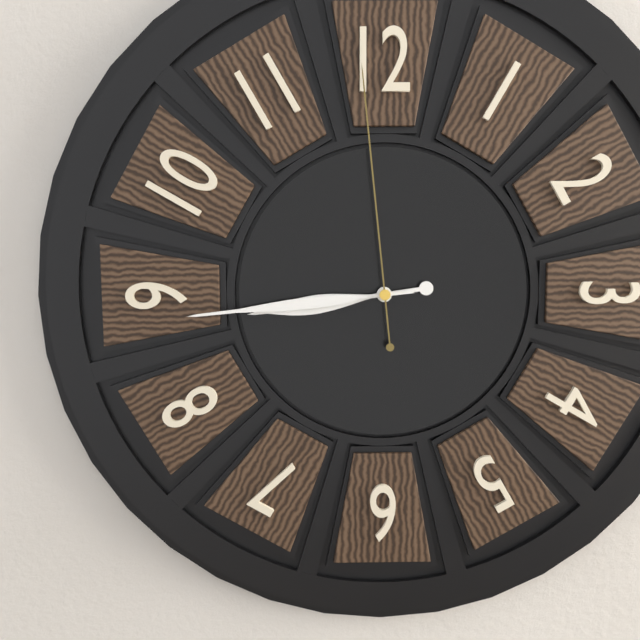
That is 8h44m59s
